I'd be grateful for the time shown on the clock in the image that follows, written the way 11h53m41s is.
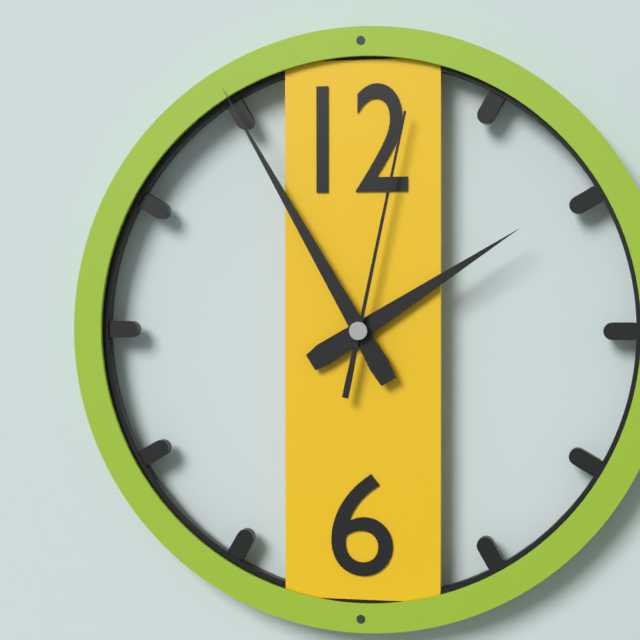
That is 1h55m02s
